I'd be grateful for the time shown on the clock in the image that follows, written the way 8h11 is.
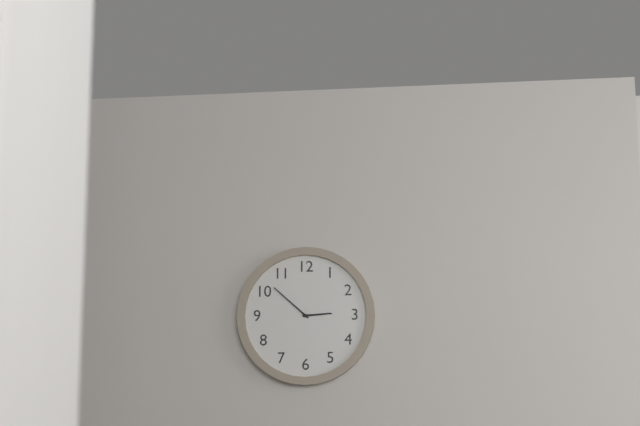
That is 2h52
